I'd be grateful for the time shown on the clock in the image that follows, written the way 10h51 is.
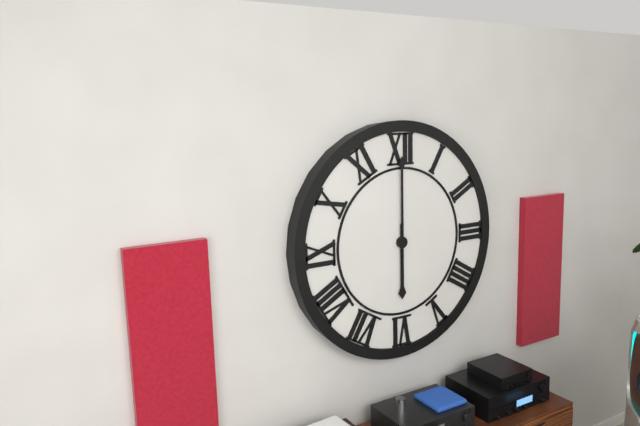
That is 6h00
